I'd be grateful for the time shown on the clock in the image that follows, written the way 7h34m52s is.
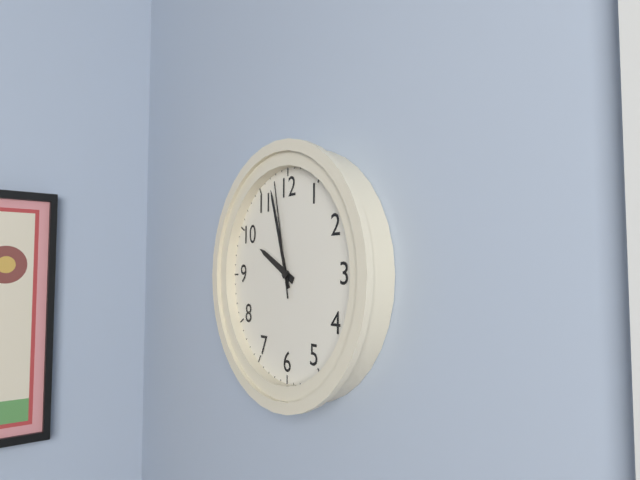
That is 9h57m58s
